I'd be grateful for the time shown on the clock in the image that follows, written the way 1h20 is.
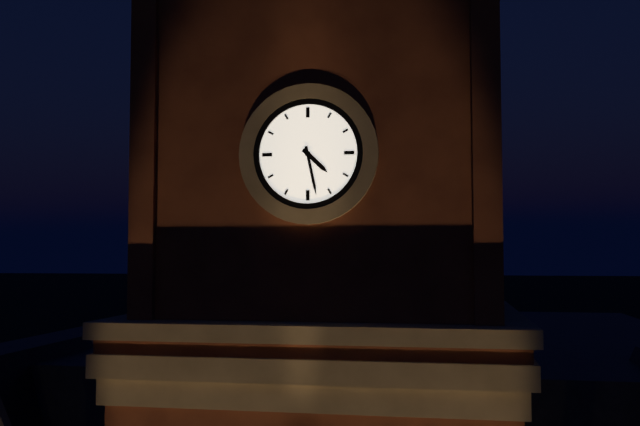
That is 4h28
